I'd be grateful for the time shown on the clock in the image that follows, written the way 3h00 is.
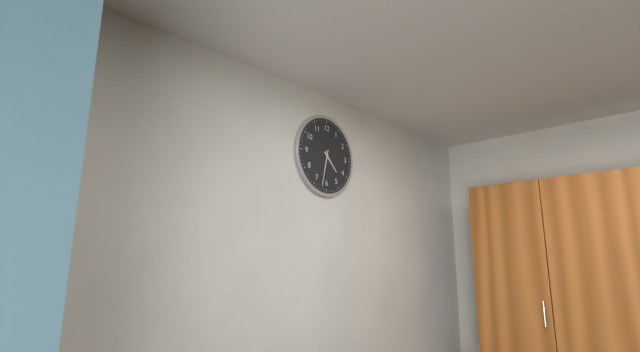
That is 4h32
